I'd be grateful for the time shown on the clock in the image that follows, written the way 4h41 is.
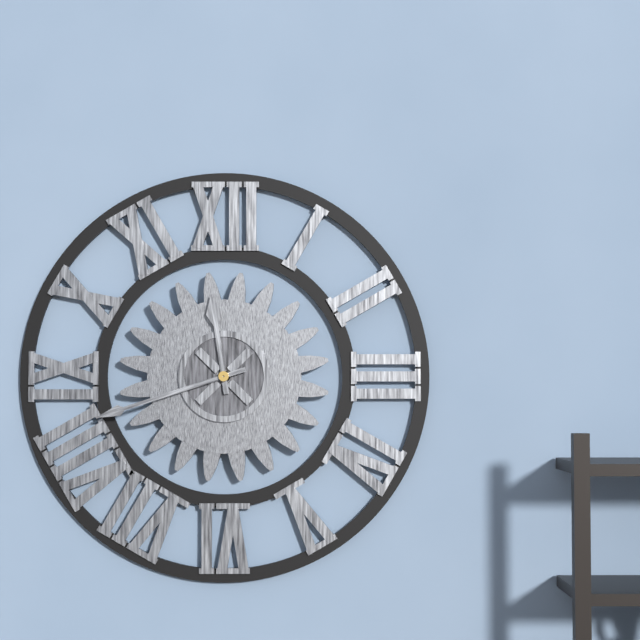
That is 11h42
